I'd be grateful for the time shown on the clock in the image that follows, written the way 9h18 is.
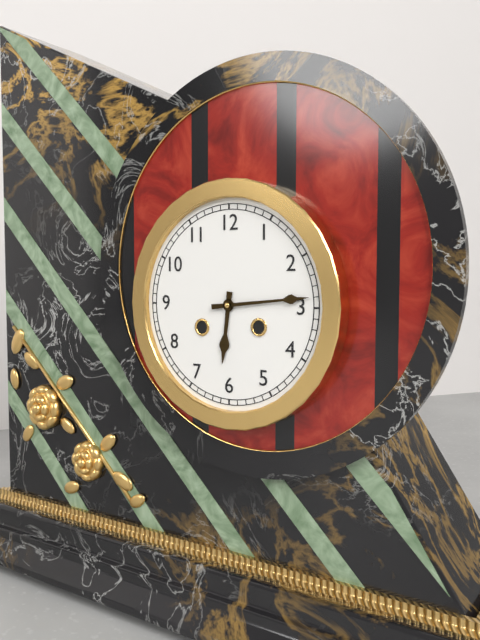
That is 6h14
